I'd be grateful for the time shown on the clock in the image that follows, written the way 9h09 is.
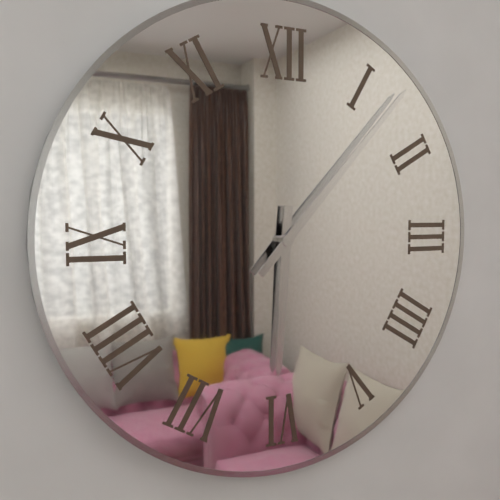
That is 6h07
